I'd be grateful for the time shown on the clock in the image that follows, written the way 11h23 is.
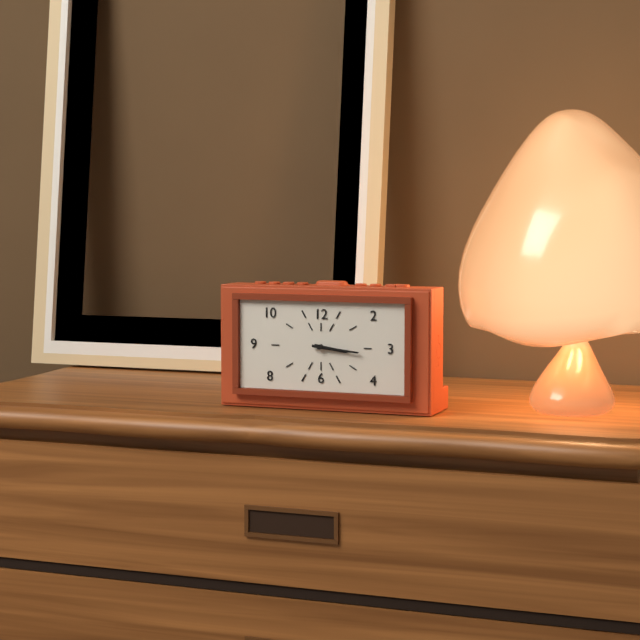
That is 3h16
